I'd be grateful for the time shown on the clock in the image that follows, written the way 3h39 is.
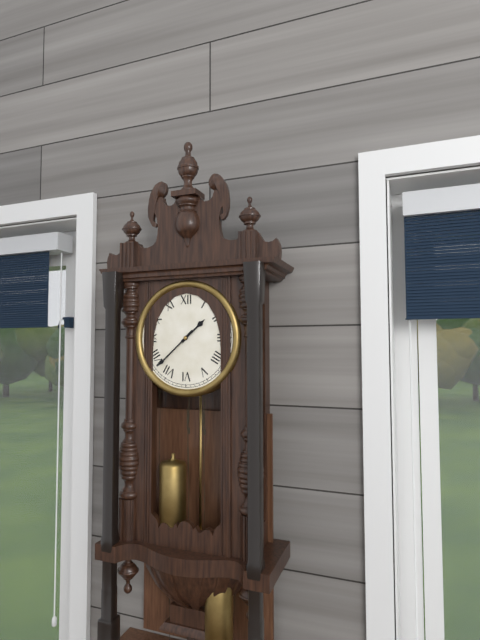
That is 1h38
